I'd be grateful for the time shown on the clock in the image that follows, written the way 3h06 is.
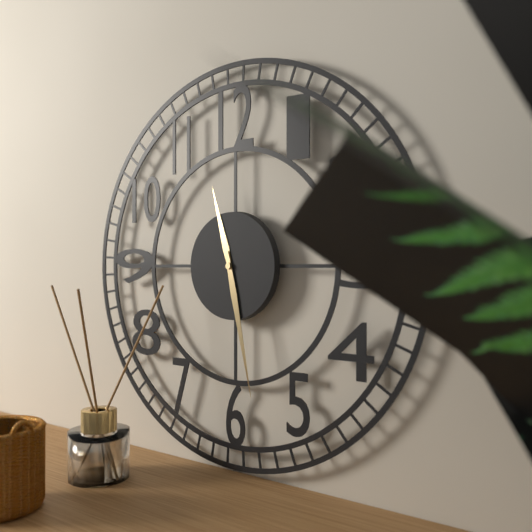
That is 11h28
